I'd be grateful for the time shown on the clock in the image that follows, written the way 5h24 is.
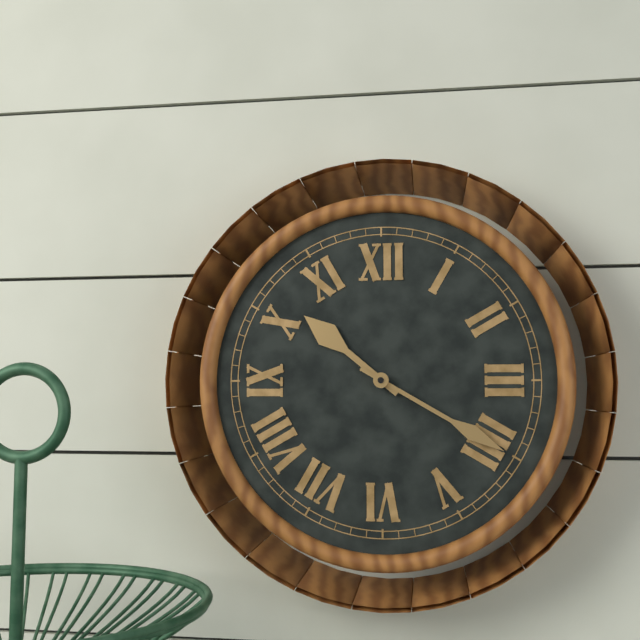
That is 10h20
